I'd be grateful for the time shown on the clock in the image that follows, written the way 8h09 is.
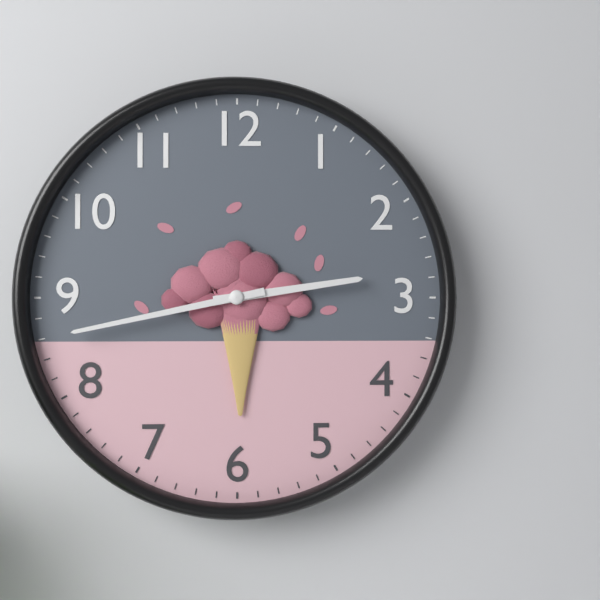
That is 2h43
